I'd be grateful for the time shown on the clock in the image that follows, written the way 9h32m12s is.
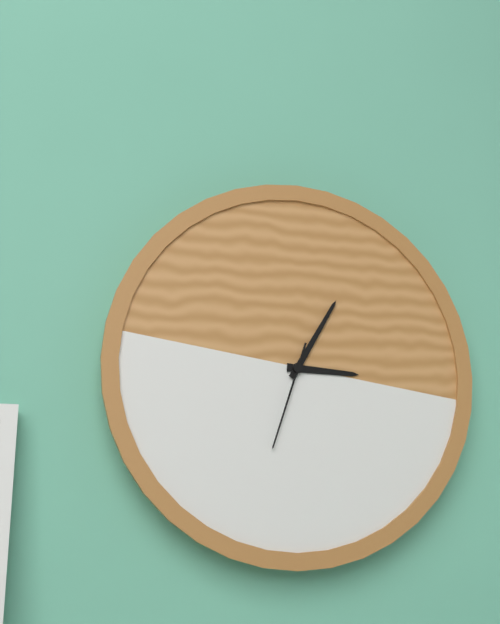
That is 3h05m33s
